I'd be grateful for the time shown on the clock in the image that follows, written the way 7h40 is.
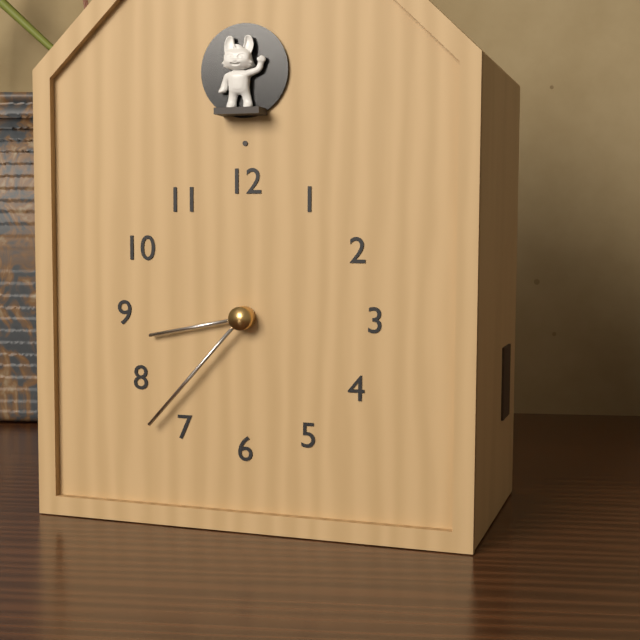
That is 8h37
